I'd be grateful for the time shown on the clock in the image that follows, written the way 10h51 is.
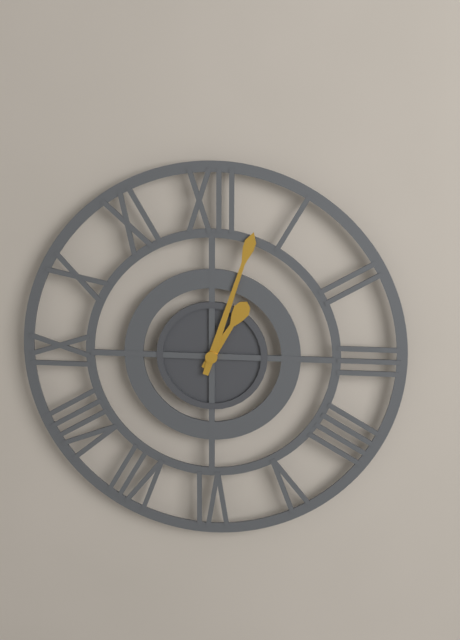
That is 1h03
